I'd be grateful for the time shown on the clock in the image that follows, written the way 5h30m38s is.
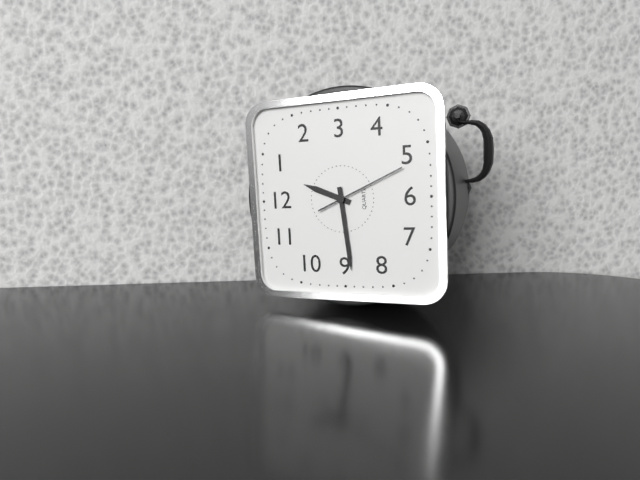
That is 12h44m26s
